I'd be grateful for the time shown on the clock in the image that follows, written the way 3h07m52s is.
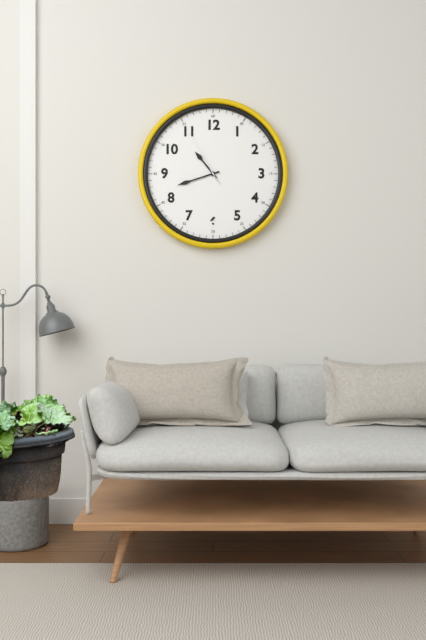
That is 10h42m55s
